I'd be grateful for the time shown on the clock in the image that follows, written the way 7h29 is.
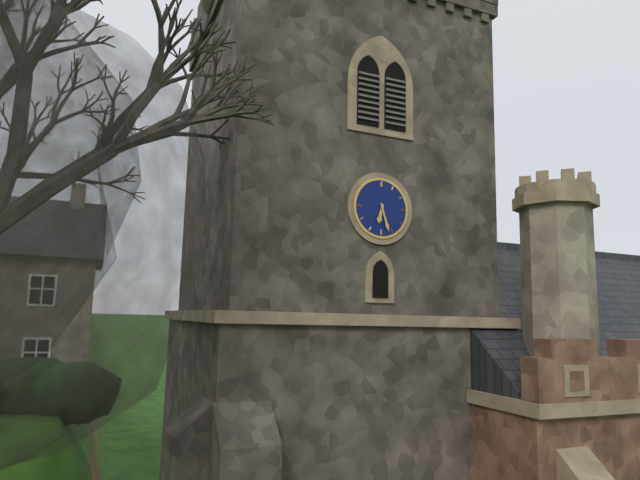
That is 6h27
